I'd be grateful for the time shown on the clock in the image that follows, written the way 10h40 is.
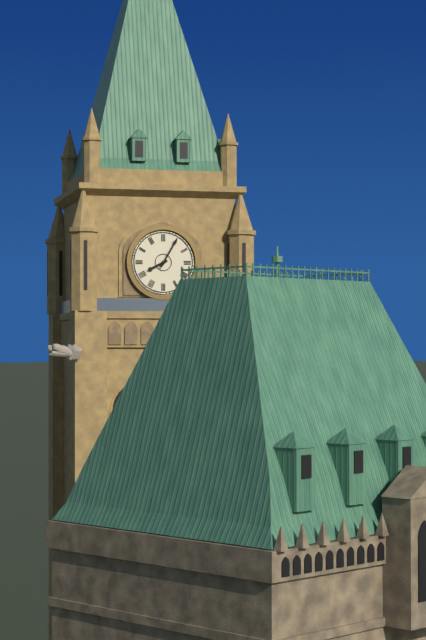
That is 8h05
